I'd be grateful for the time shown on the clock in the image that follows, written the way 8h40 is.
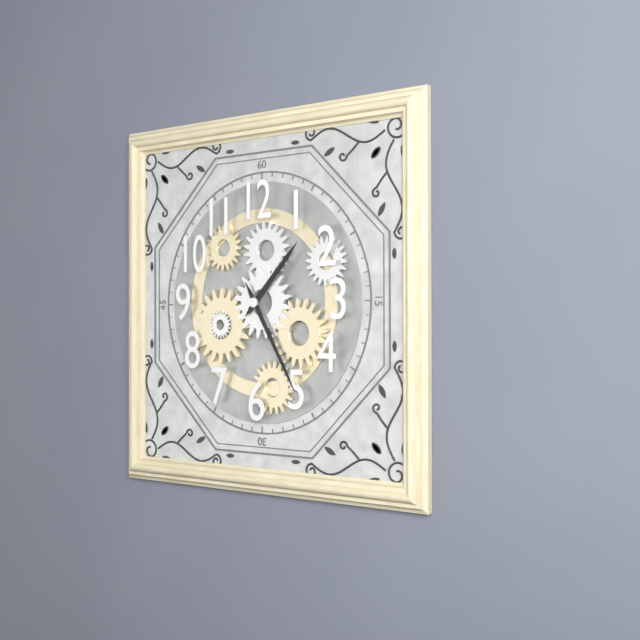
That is 1h25
